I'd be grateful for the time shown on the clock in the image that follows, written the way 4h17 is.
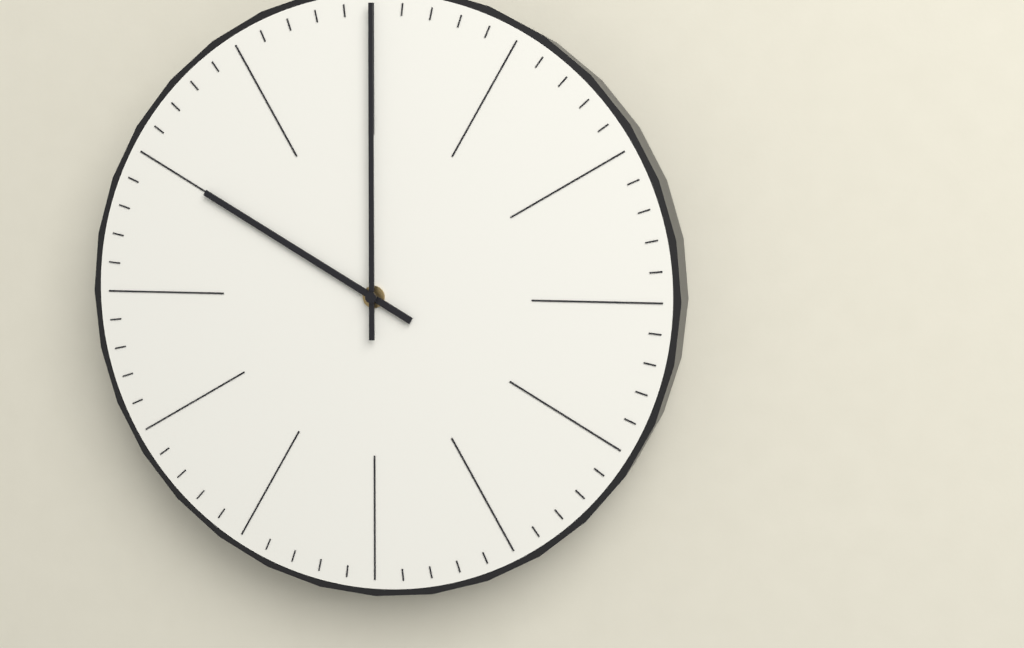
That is 10h00
